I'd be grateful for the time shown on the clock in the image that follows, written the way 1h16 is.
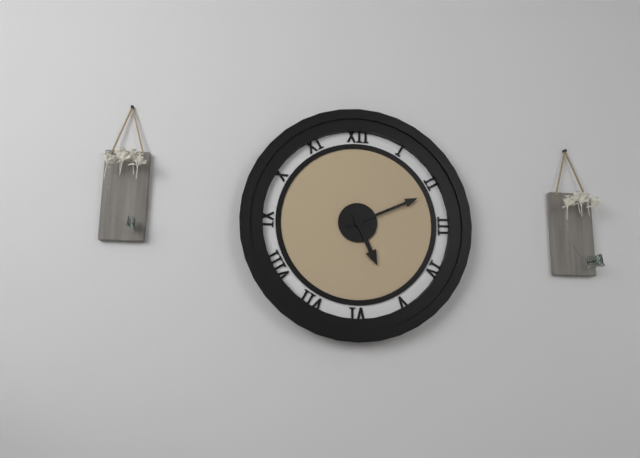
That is 5h11
